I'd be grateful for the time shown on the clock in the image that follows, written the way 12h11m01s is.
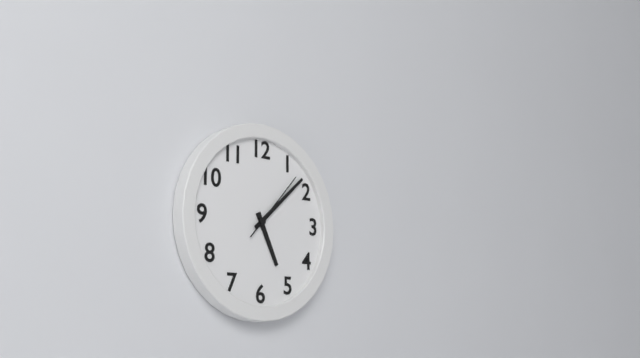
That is 5h08m07s
